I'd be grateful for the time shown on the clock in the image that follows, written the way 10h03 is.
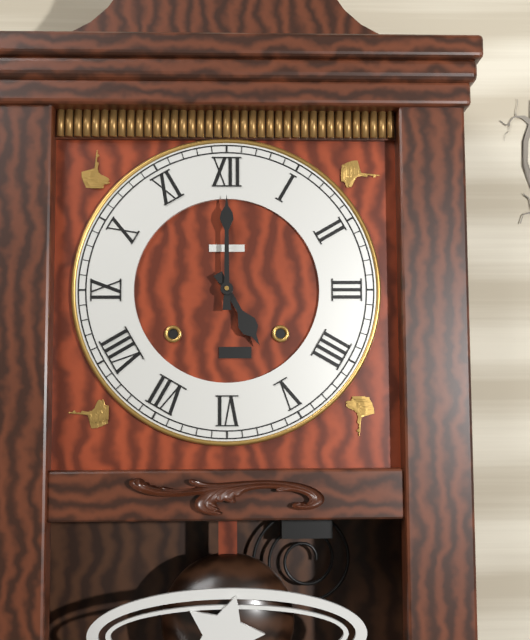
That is 5h00
